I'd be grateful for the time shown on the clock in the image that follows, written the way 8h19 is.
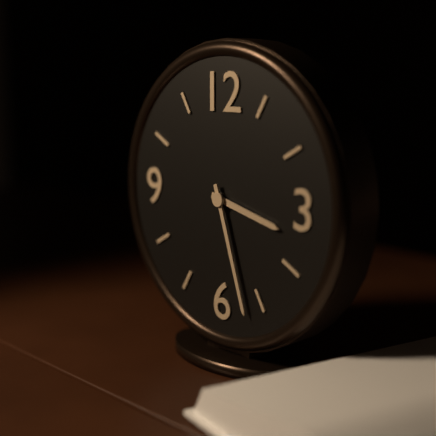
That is 3h27
